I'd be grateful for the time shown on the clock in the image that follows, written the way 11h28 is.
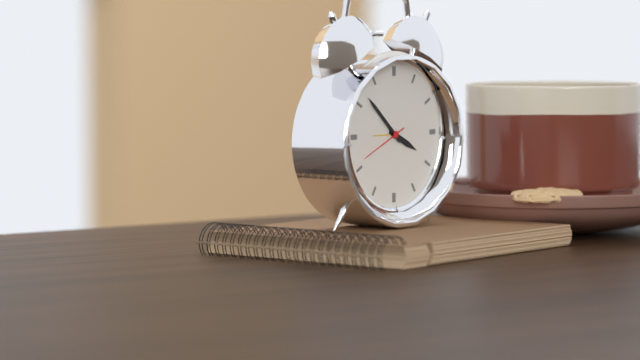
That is 3h52
